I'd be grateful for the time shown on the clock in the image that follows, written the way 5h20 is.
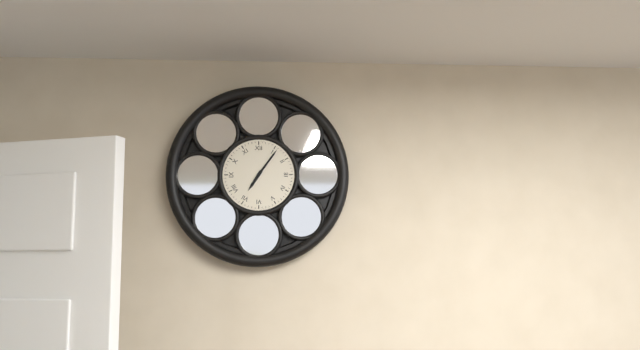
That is 7h06
